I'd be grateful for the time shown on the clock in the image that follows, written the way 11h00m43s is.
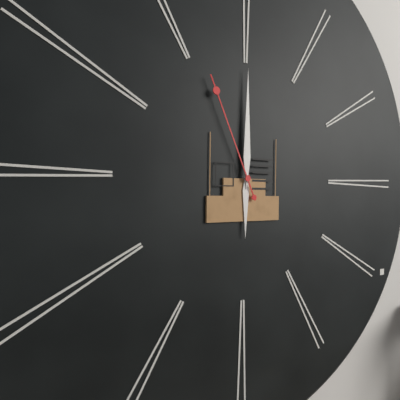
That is 6h00m56s
